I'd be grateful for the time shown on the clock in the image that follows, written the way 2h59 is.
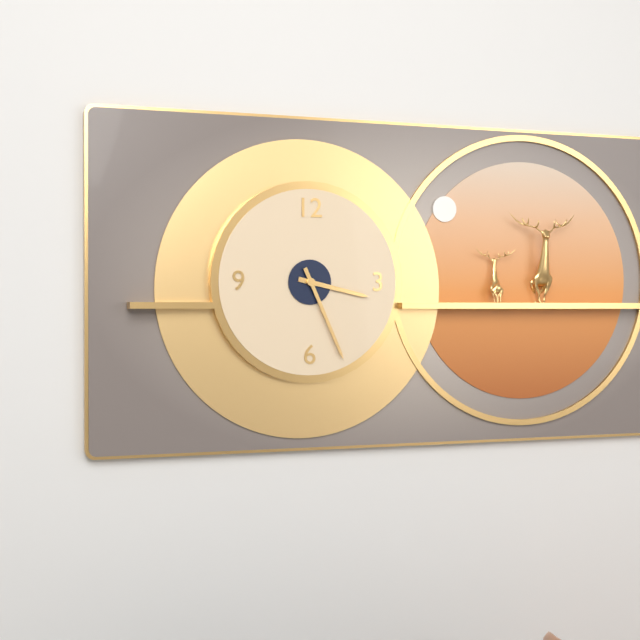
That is 3h26
